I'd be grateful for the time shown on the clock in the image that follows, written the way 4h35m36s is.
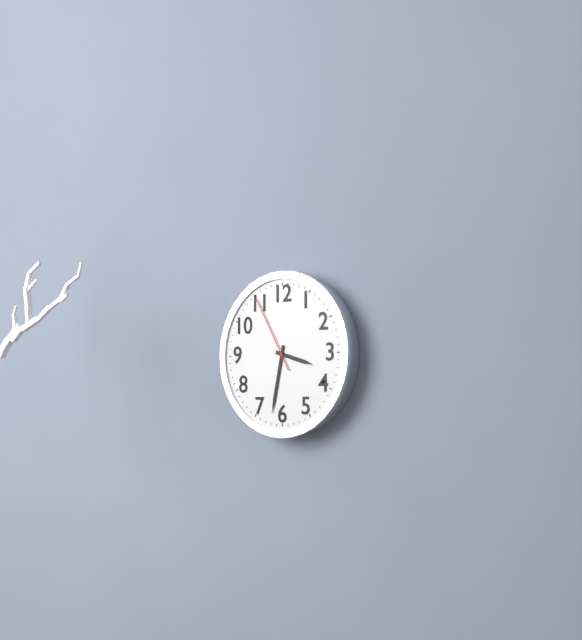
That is 3h32m55s
